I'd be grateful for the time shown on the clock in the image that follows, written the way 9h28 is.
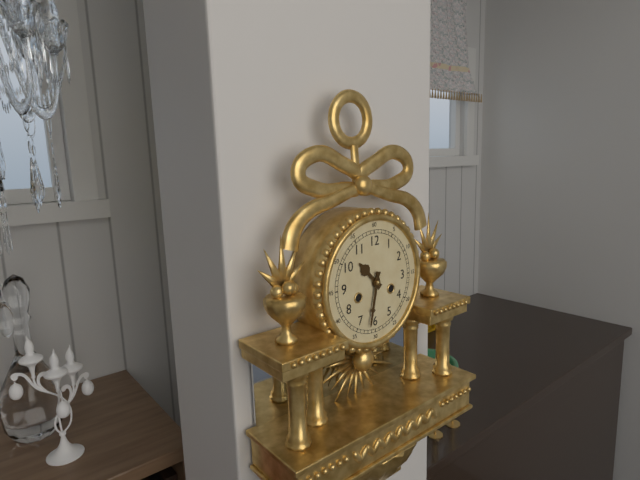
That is 10h32
